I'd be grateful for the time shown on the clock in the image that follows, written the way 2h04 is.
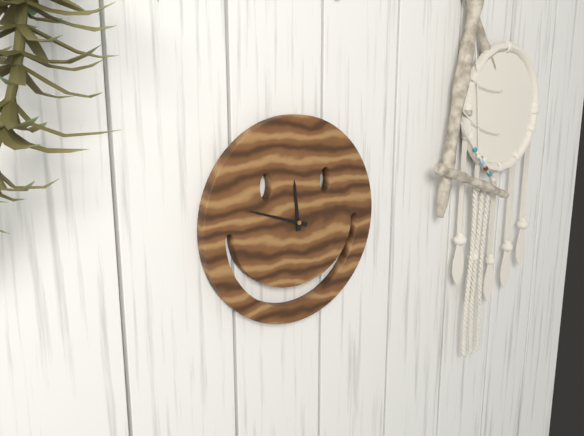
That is 11h48
